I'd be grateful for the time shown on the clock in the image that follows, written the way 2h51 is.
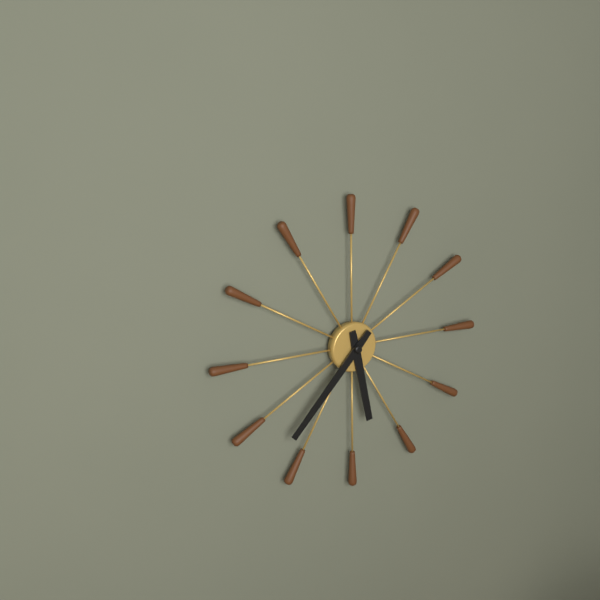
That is 5h37
